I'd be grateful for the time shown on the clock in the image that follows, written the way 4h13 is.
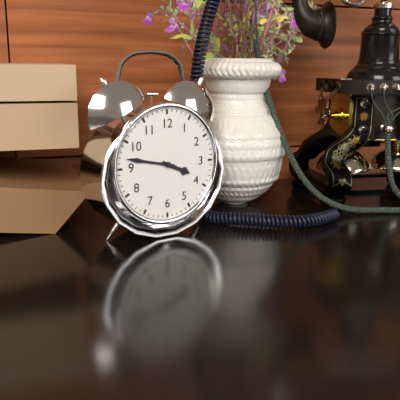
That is 3h47
